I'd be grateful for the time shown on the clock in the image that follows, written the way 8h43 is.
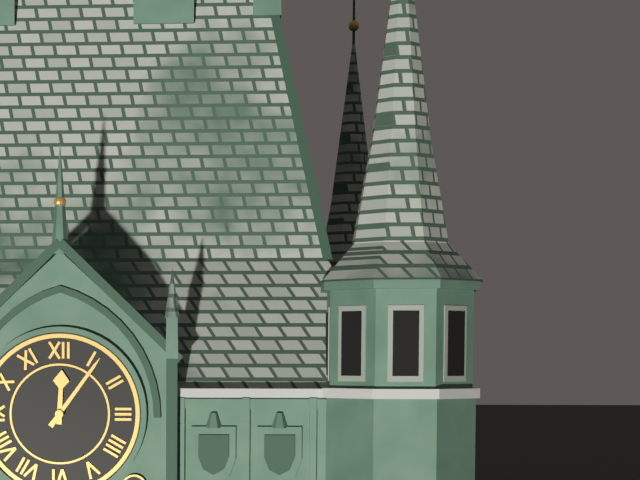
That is 12h06
